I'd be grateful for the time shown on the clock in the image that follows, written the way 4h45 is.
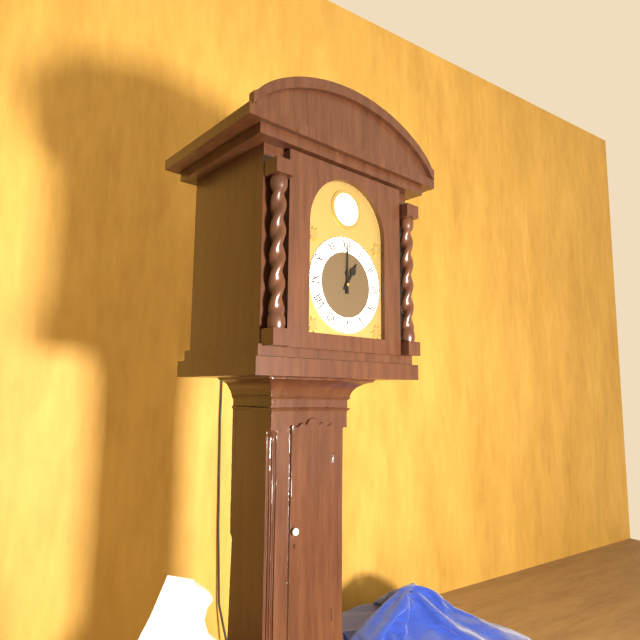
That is 1h00
